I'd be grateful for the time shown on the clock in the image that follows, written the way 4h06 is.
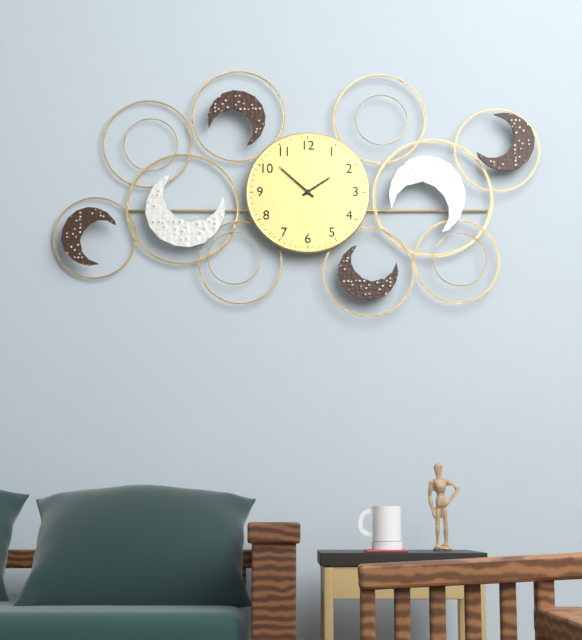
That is 1h52
